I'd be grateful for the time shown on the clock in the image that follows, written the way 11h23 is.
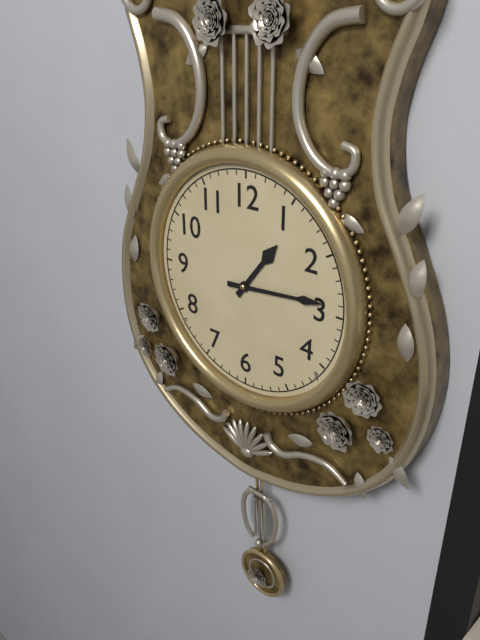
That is 1h14
